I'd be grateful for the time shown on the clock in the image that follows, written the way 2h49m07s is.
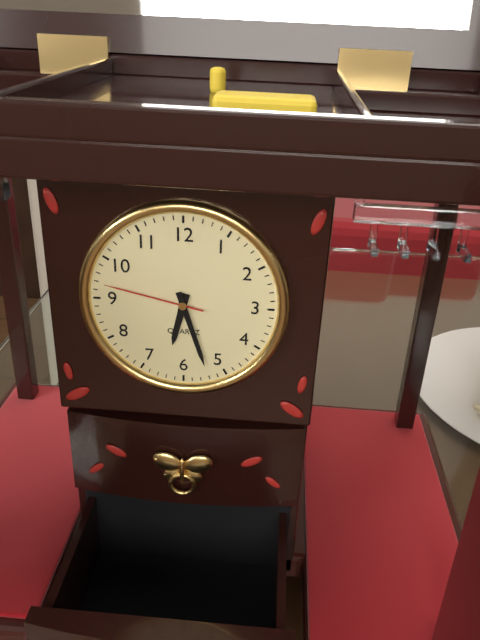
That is 6h27m47s
